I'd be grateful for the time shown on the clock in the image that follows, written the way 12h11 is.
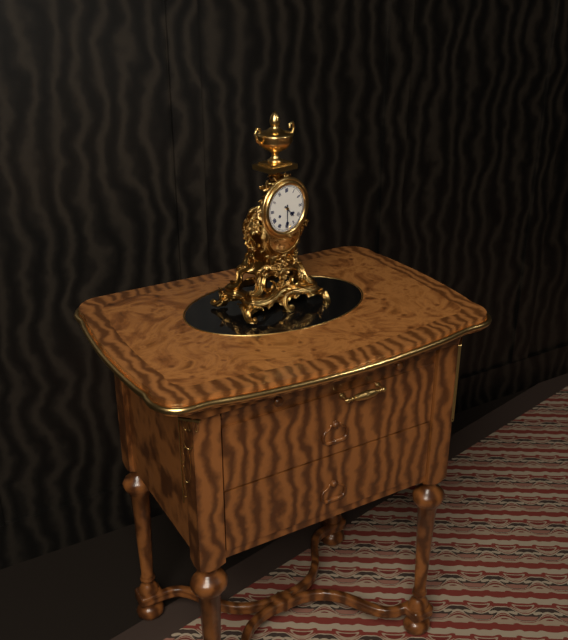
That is 4h30
